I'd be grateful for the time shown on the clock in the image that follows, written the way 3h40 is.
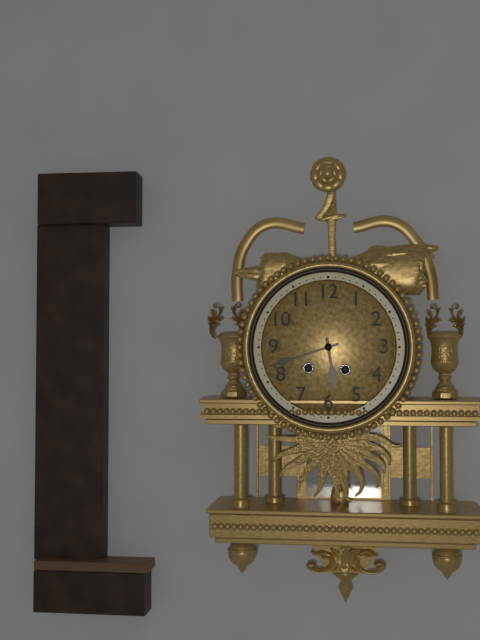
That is 5h42
